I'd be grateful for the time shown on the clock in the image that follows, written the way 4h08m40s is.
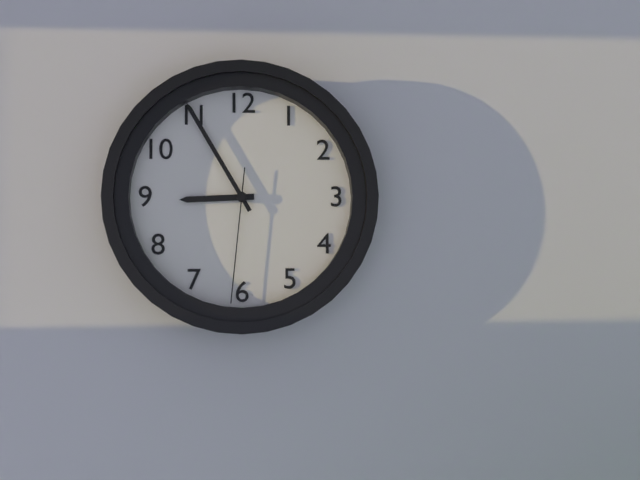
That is 8h55m31s
